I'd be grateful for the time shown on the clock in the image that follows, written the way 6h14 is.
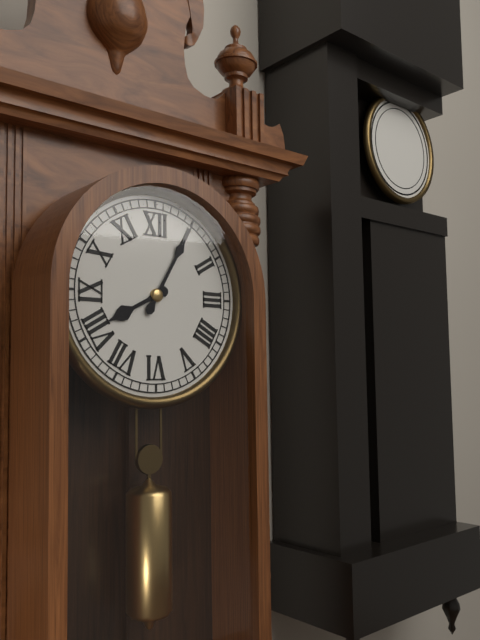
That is 8h05
